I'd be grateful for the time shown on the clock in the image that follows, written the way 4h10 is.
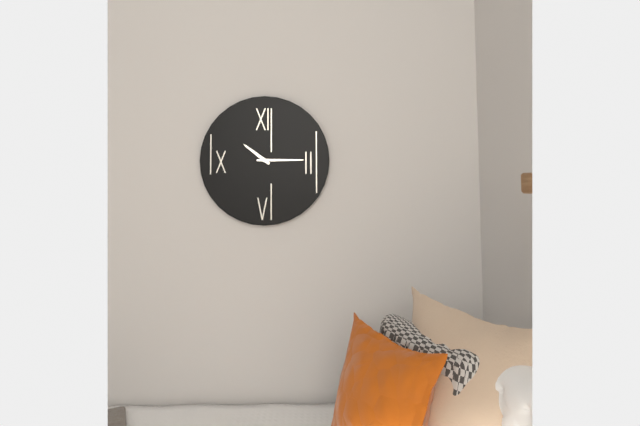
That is 10h15
